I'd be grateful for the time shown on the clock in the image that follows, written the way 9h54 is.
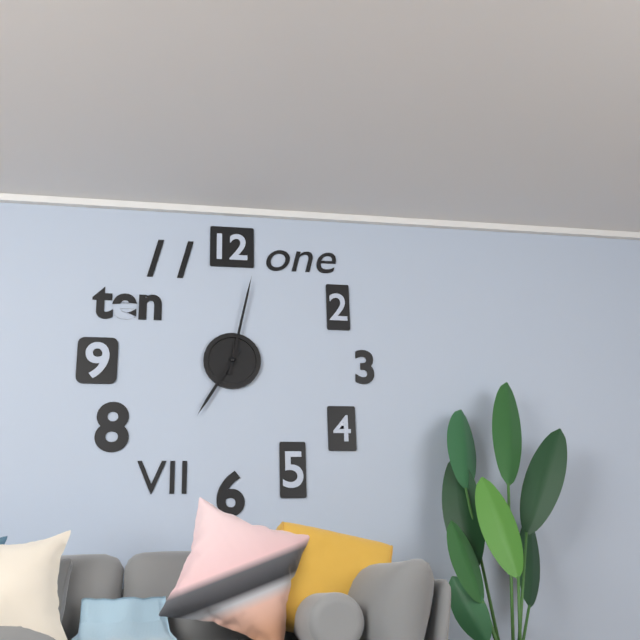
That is 7h02
